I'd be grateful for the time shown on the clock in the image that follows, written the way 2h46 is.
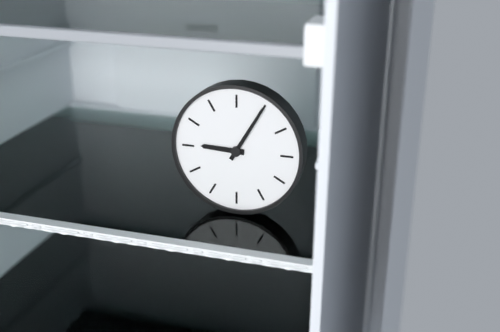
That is 9h05
